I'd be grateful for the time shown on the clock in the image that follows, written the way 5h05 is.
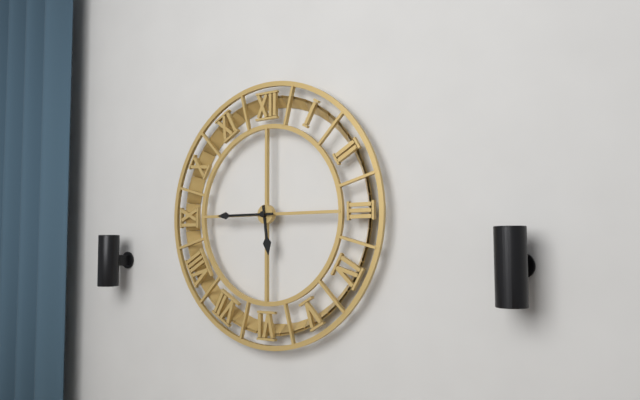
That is 5h45
